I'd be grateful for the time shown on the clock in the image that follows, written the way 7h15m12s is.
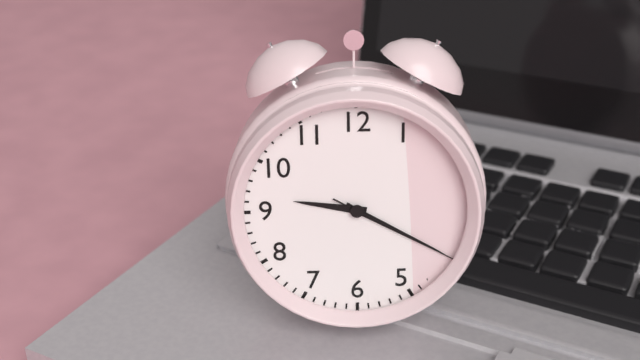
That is 9h20m20s
